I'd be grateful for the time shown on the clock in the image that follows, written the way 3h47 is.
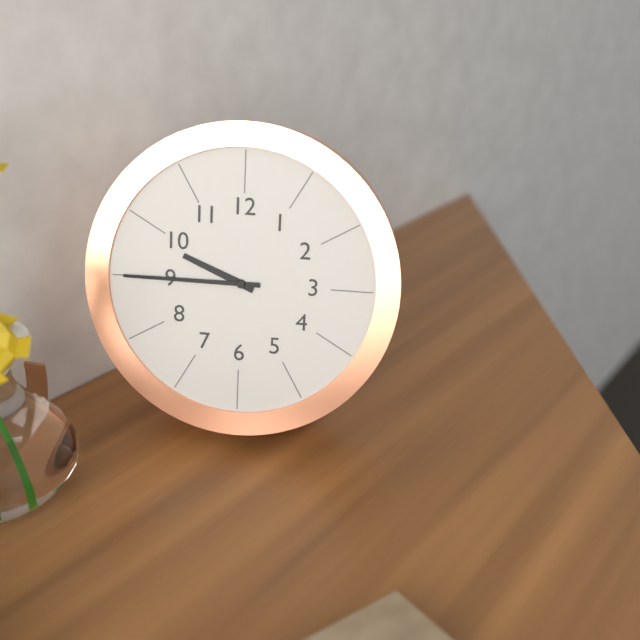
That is 9h45
